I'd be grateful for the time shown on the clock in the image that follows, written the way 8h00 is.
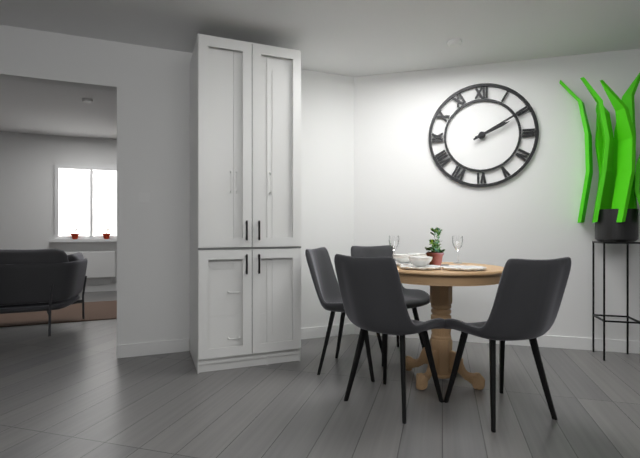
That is 2h10
